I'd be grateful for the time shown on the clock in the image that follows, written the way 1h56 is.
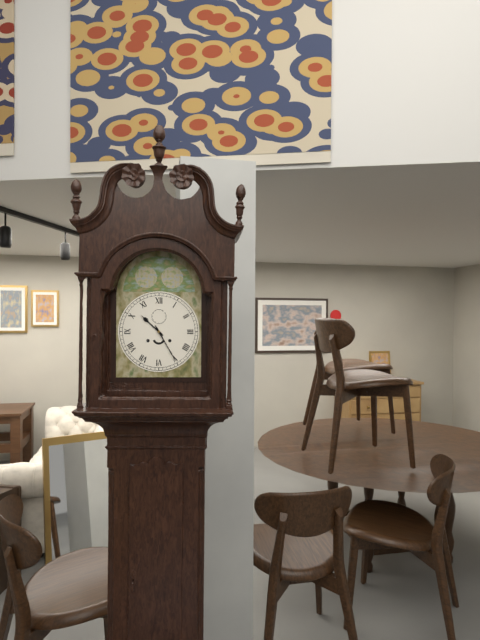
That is 10h25
